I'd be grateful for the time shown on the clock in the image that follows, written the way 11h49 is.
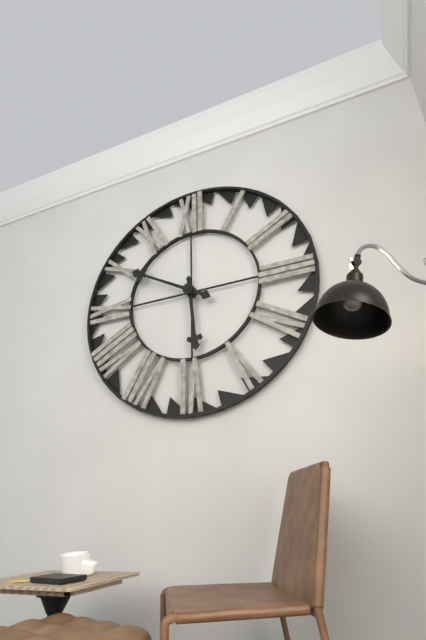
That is 5h50
